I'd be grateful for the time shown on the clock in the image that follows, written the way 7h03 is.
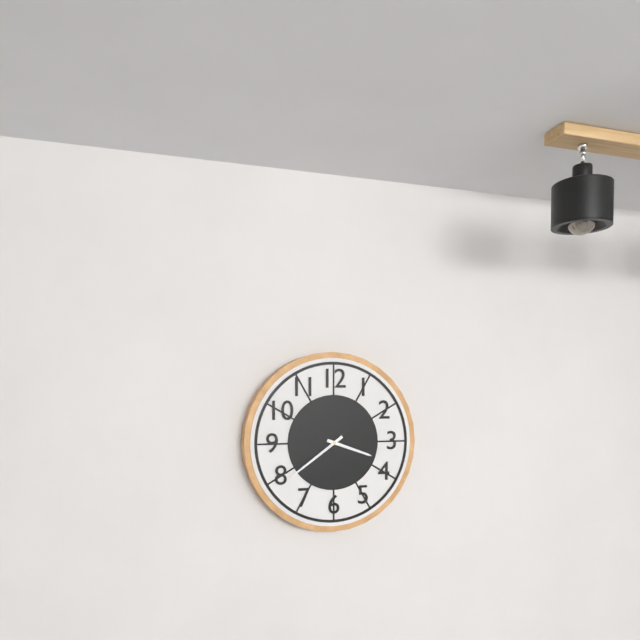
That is 3h39
